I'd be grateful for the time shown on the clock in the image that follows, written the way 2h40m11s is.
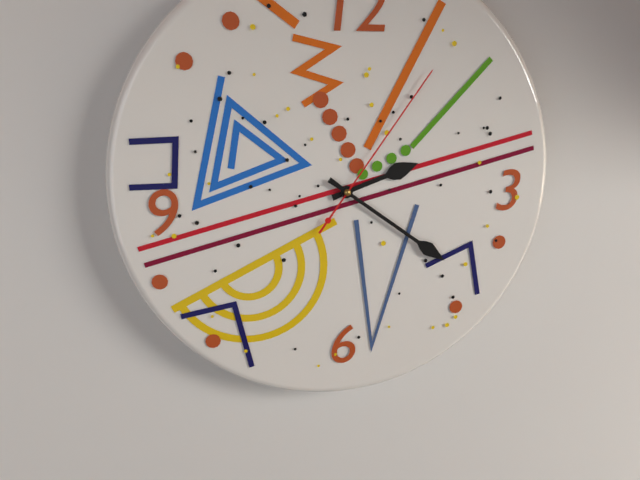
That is 2h21m06s
